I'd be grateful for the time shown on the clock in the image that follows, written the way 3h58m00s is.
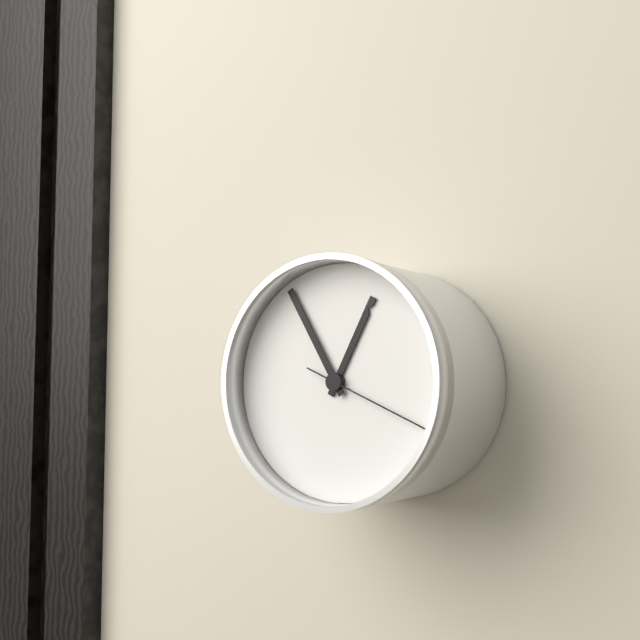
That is 12h55m19s
